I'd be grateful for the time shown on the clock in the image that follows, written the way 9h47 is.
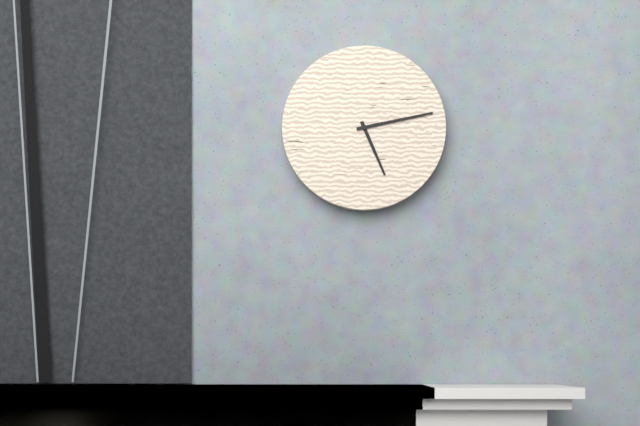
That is 5h13
